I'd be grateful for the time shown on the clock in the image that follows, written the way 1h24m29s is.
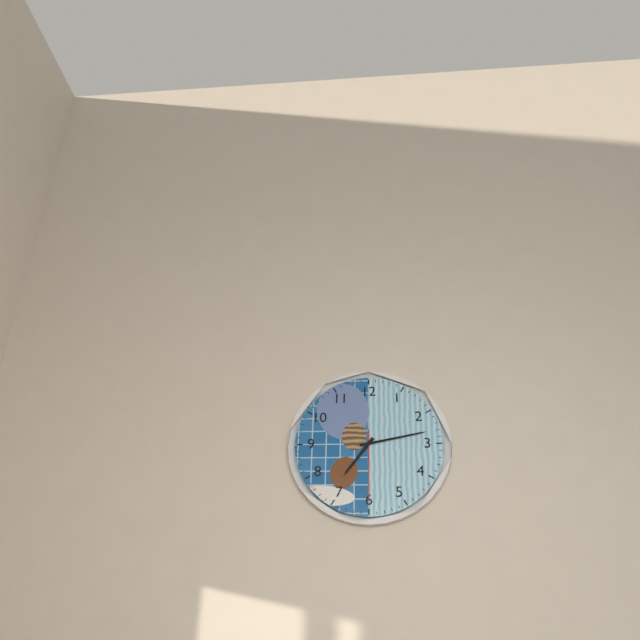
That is 7h13m30s
